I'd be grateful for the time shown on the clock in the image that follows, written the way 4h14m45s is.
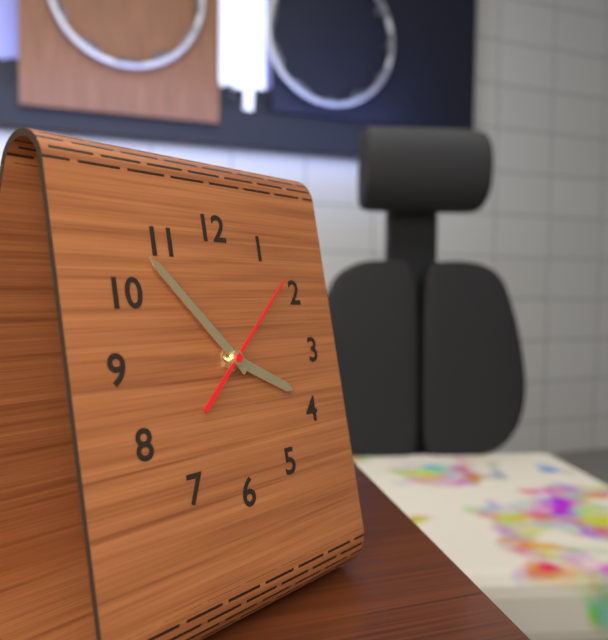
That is 3h53m08s
